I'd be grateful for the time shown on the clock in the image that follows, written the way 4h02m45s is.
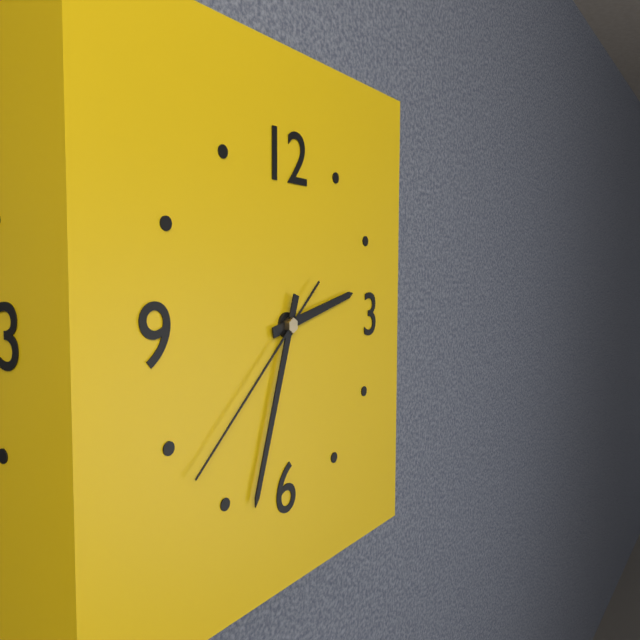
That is 2h33m38s
